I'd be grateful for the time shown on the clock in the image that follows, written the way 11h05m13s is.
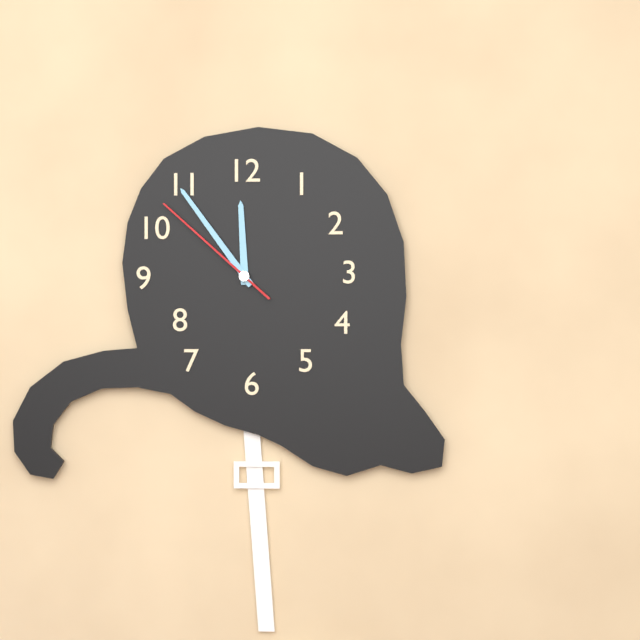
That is 11h54m52s
